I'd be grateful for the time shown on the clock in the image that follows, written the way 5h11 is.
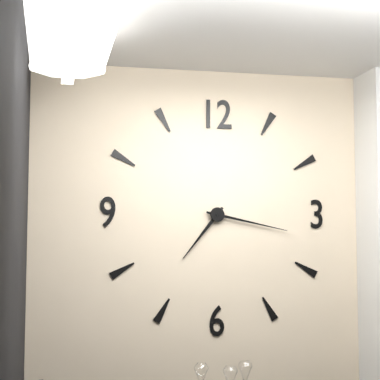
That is 7h17
